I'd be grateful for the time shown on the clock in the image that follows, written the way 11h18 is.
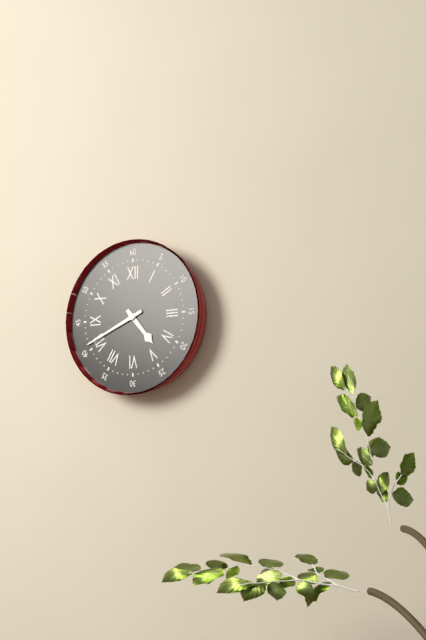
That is 4h41
